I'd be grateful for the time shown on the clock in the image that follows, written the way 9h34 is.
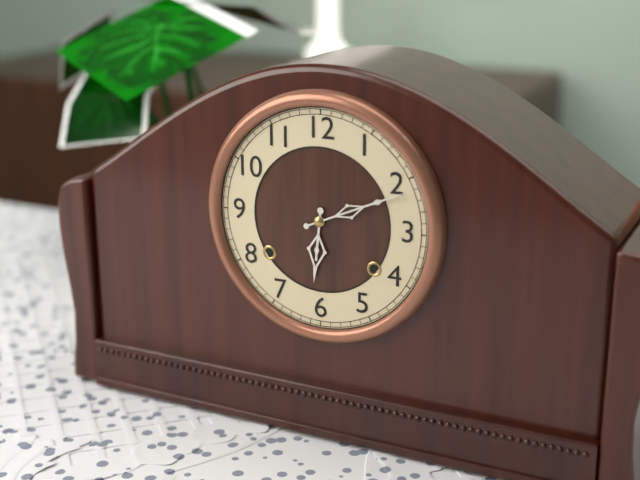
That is 6h11
